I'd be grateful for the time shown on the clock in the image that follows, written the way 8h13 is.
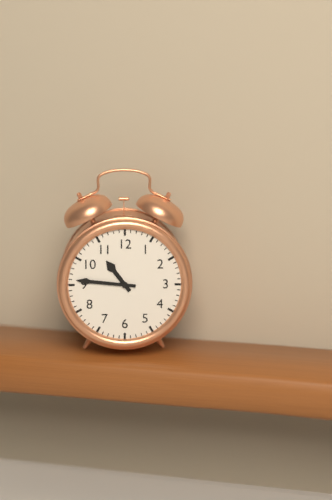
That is 10h46
